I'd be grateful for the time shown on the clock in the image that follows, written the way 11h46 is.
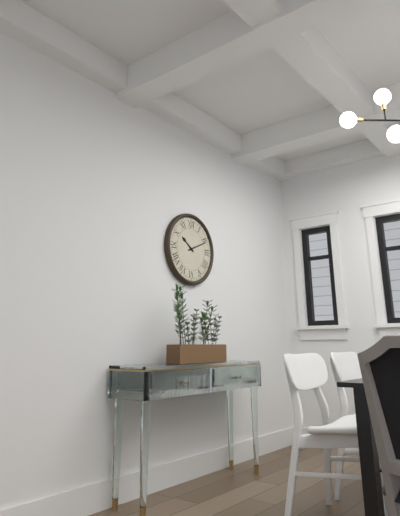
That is 10h11
